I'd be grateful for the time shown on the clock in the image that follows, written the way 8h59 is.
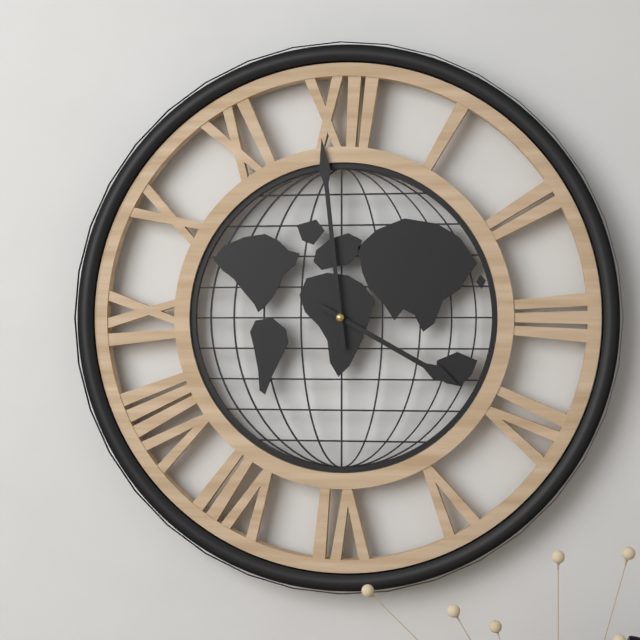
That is 3h59
